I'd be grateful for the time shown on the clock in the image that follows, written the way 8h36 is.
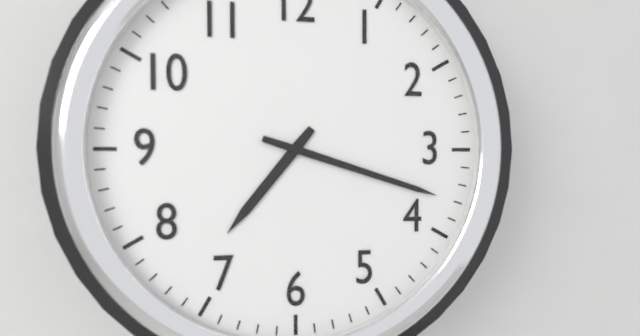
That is 7h18
